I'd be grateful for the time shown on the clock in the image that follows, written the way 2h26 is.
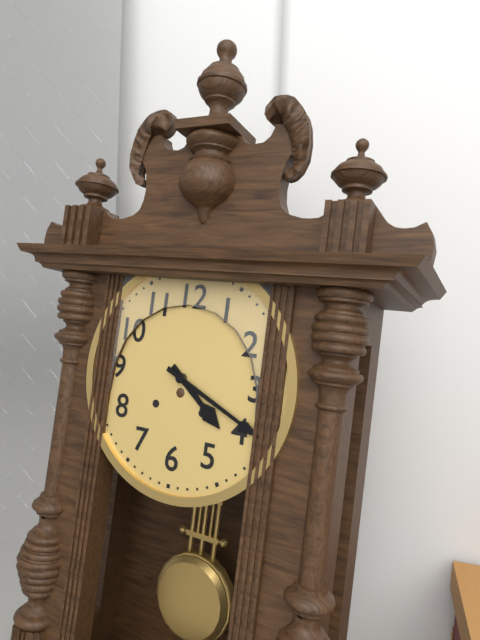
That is 4h19
